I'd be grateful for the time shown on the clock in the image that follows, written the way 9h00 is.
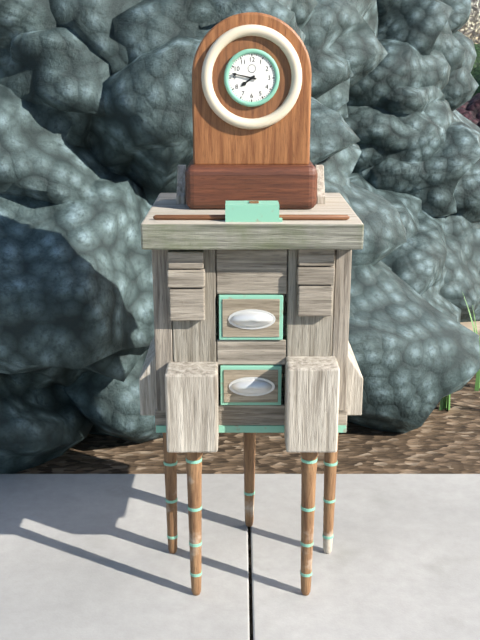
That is 7h47
